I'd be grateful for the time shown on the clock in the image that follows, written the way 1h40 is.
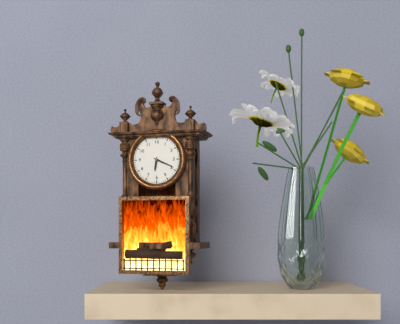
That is 6h19
